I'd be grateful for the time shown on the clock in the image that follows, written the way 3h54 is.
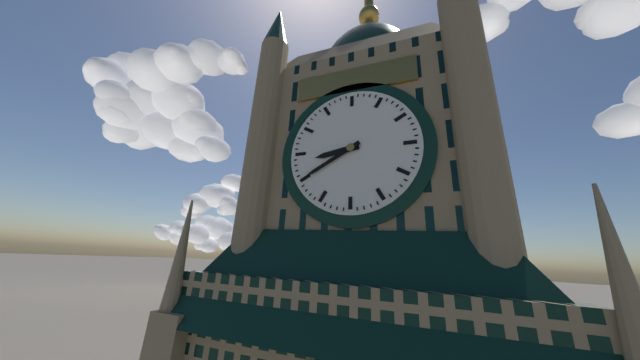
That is 8h40
